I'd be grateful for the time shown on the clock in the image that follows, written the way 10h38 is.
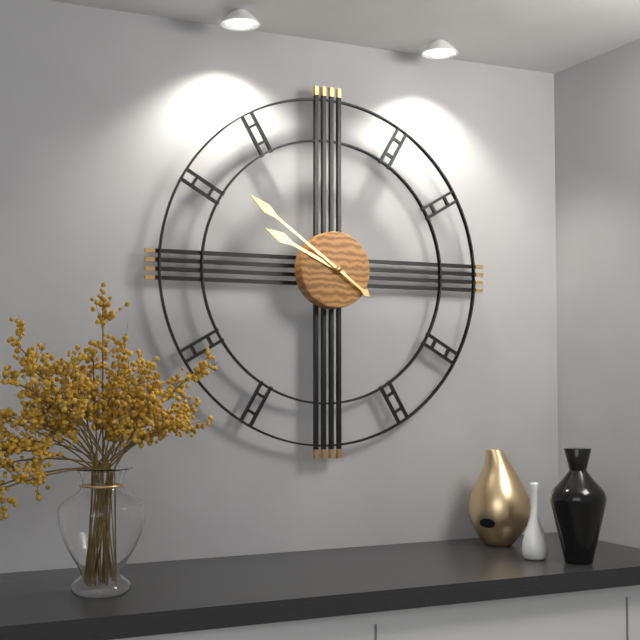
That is 9h51
